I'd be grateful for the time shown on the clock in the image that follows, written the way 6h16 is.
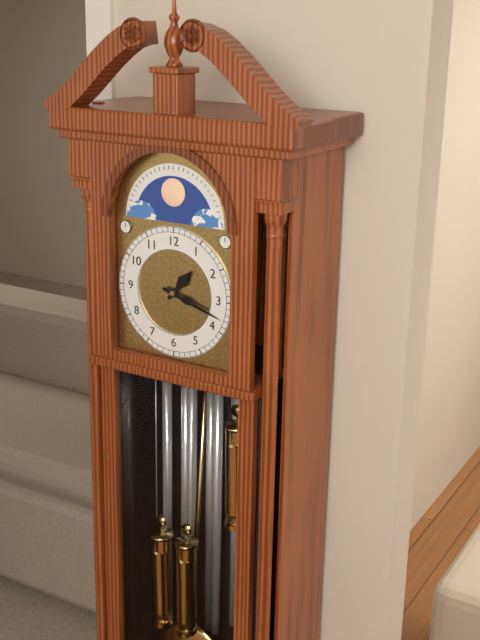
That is 1h18
